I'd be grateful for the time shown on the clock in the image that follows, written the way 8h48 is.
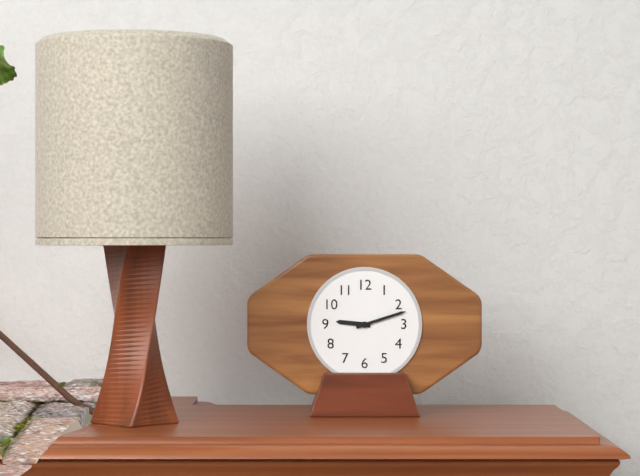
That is 9h12
